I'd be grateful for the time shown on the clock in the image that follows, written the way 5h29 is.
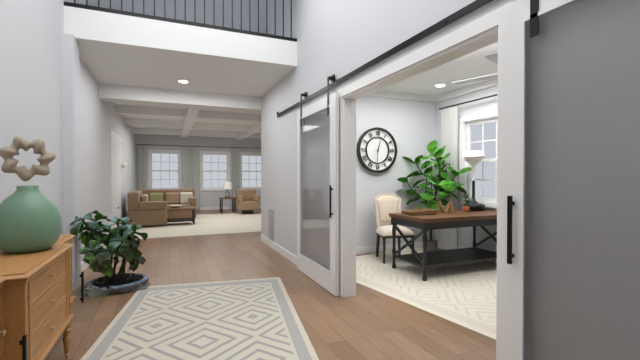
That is 12h31
